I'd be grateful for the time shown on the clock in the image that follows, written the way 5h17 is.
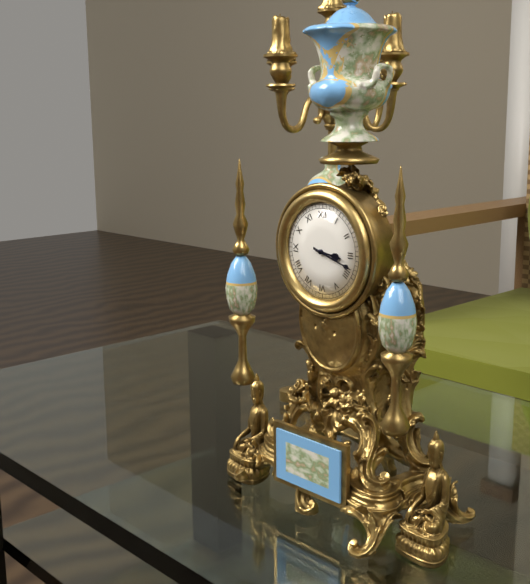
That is 3h18
